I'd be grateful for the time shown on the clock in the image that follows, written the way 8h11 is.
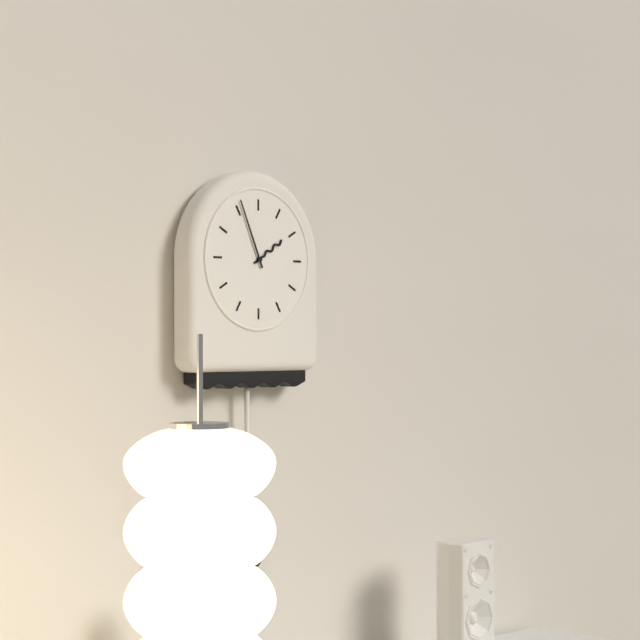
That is 1h56
